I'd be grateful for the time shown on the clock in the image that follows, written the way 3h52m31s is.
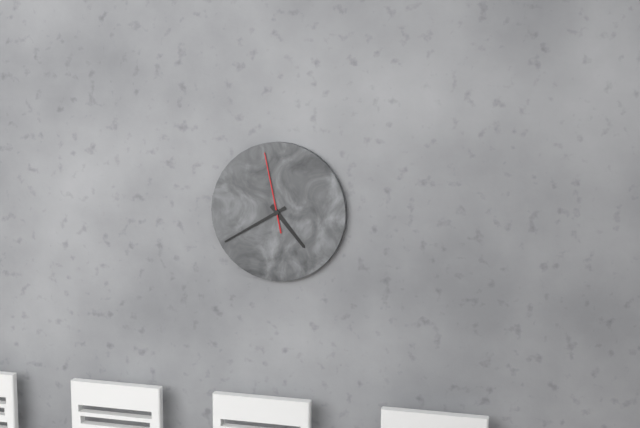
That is 4h40m58s
